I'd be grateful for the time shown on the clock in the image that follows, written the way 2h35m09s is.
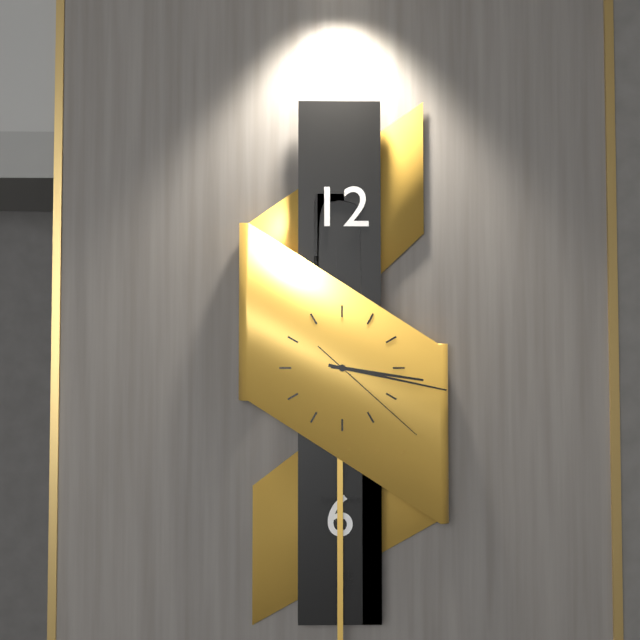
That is 3h17m22s
